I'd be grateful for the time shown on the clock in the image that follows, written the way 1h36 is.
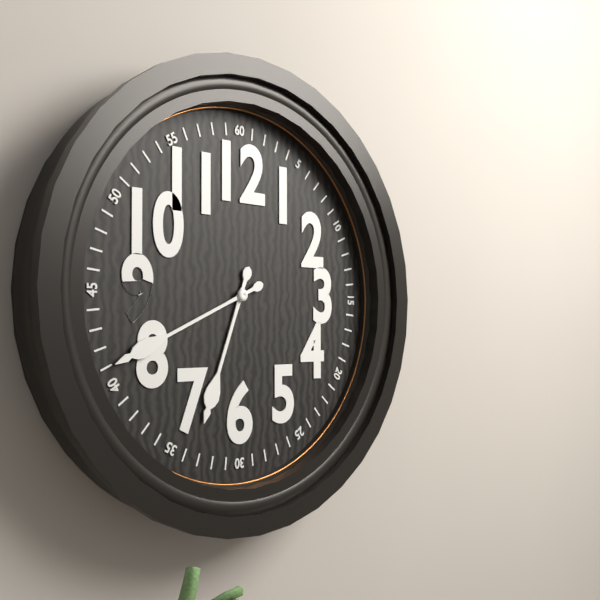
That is 6h41
